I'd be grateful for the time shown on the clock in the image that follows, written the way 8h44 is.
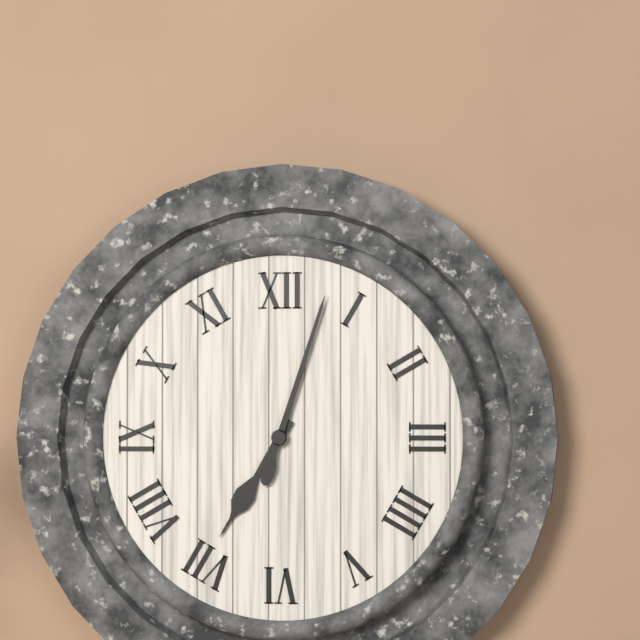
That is 7h03
